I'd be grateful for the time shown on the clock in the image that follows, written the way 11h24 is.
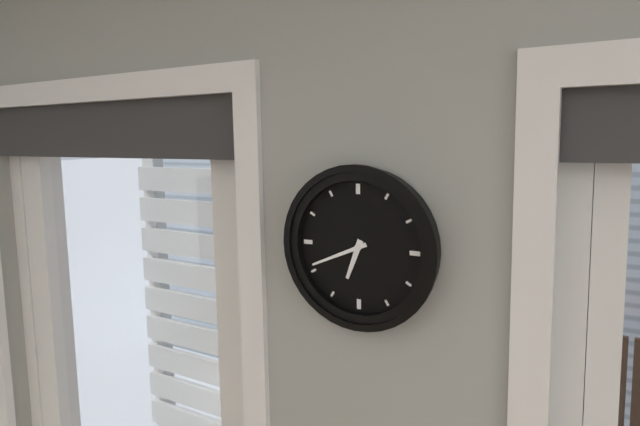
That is 6h41
